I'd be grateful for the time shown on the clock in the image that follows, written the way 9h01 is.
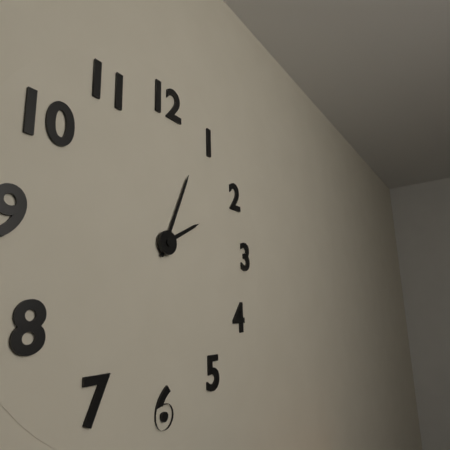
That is 2h04
